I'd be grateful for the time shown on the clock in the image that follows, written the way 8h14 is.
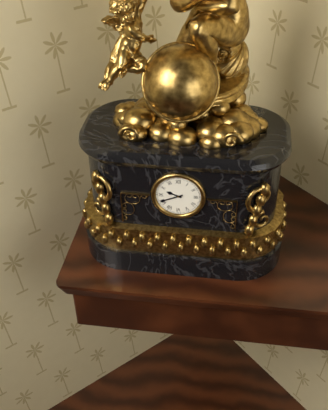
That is 9h41
